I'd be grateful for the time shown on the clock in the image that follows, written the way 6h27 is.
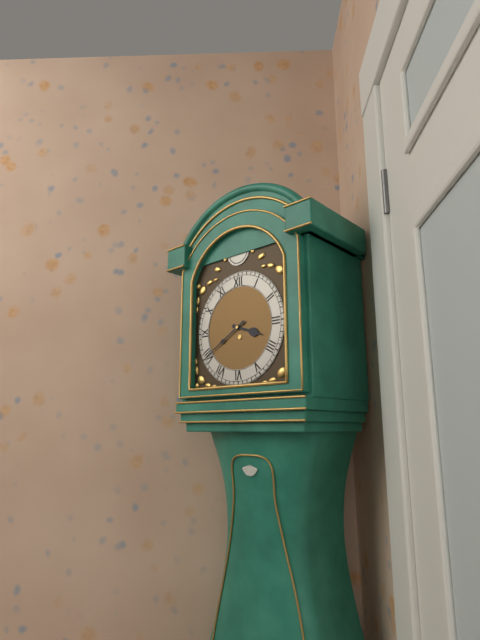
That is 3h40
